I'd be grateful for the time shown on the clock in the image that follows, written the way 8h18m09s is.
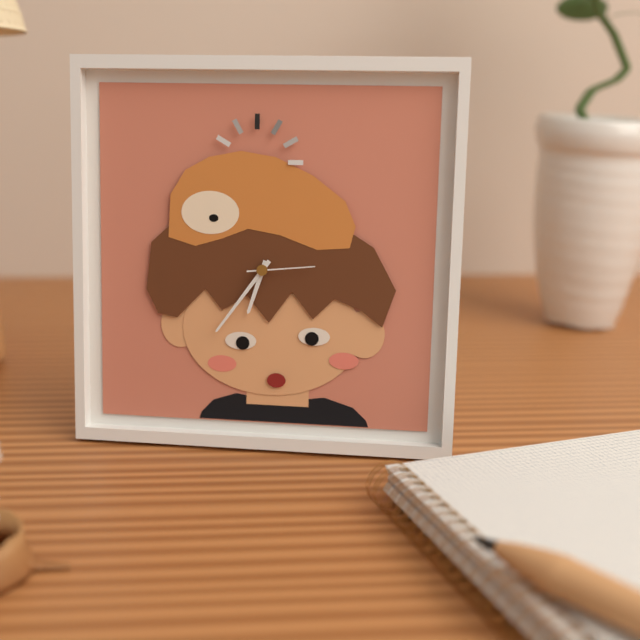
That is 6h36m14s
